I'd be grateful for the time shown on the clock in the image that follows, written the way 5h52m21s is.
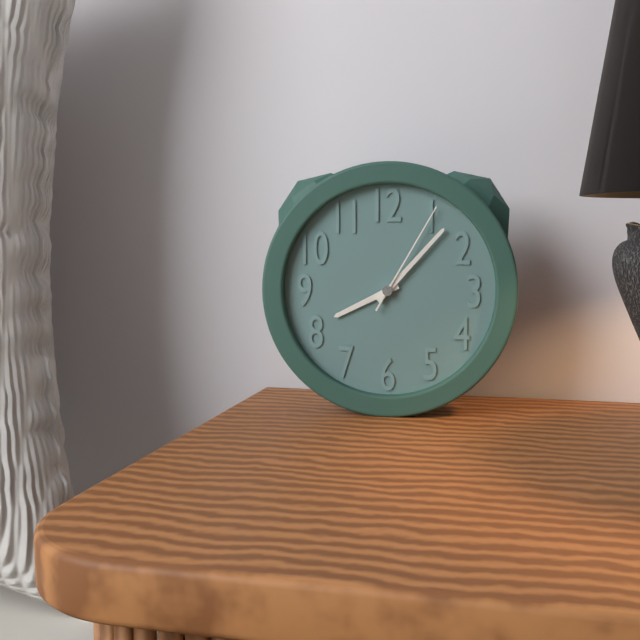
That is 8h07m05s
